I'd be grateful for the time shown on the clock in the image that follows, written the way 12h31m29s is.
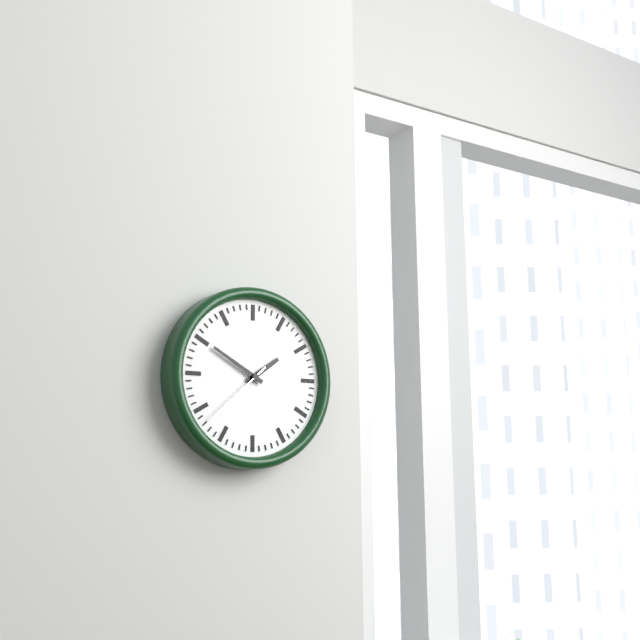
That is 1h50m38s
